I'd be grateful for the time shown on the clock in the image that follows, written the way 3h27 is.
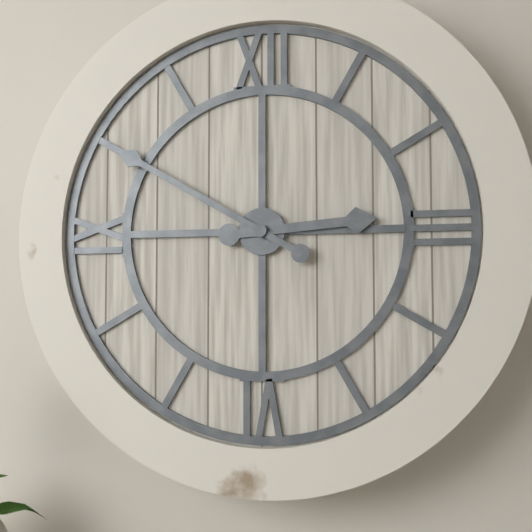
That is 2h50
